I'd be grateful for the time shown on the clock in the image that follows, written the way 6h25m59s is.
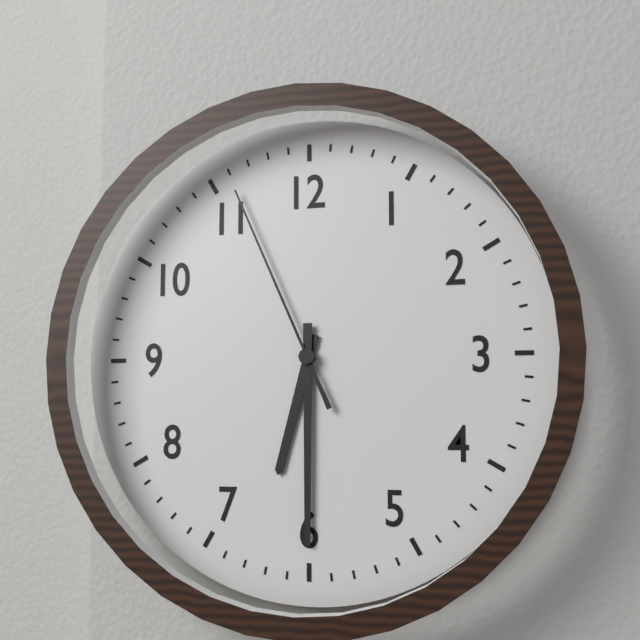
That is 6h30m56s
